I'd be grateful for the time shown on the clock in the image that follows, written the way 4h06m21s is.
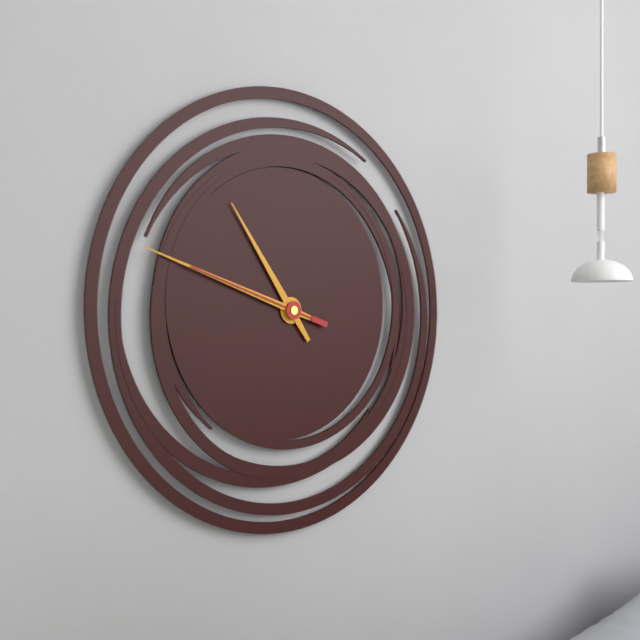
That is 10h48m48s
